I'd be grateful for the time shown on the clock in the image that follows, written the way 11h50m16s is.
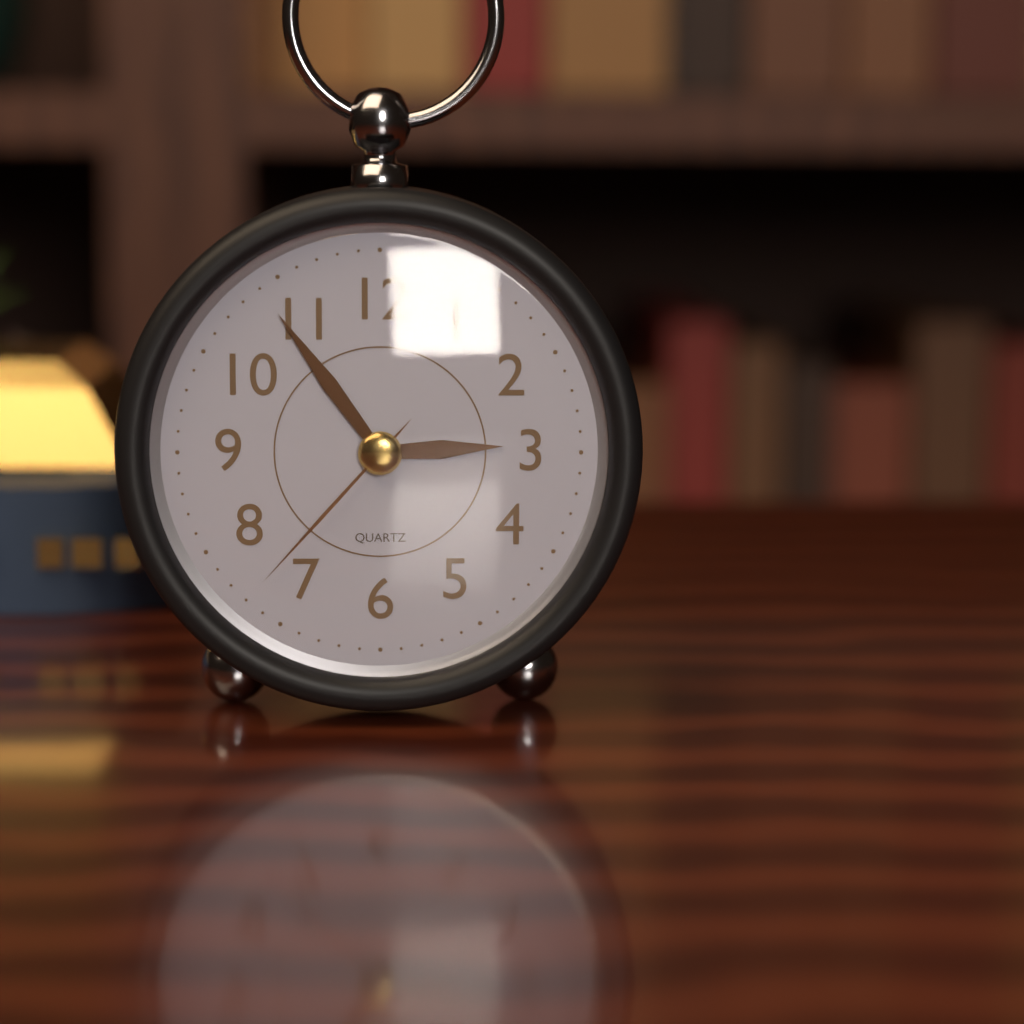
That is 2h54m37s
